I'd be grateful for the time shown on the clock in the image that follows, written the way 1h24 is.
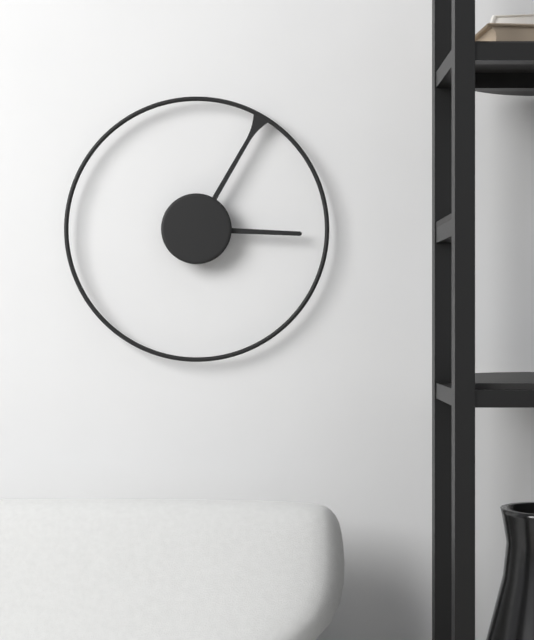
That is 3h05
